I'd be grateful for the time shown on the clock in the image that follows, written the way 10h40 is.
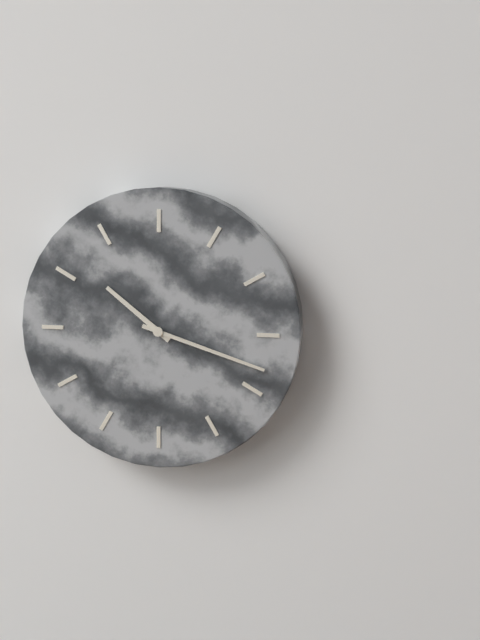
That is 10h18
